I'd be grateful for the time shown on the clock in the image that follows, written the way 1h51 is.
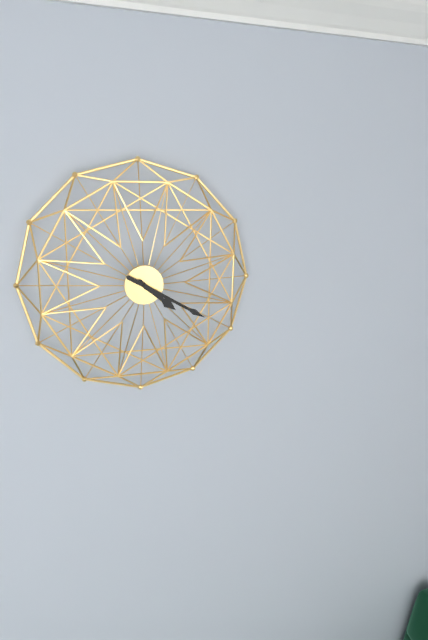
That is 4h20
